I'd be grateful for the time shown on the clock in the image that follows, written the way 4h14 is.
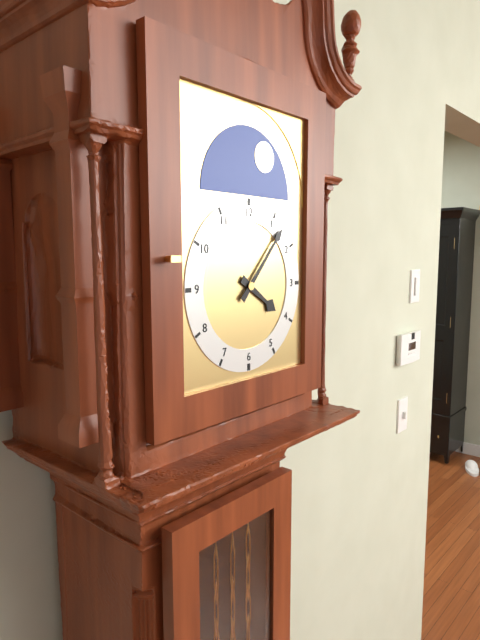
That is 4h07
